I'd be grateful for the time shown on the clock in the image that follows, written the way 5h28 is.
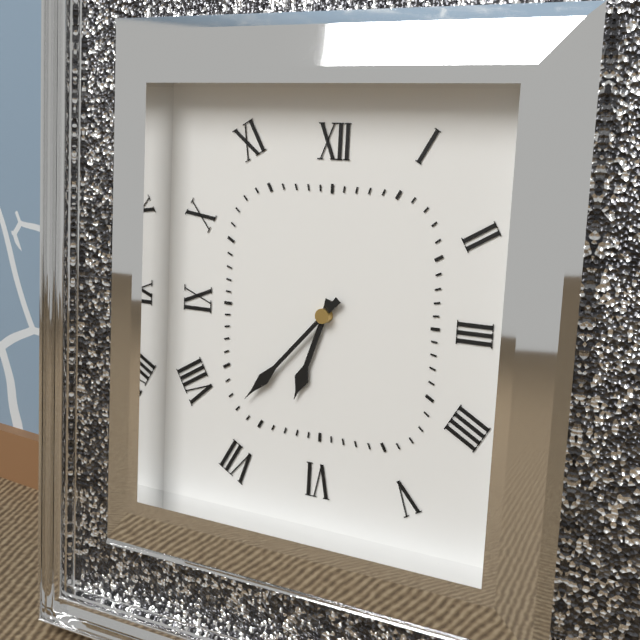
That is 6h37
